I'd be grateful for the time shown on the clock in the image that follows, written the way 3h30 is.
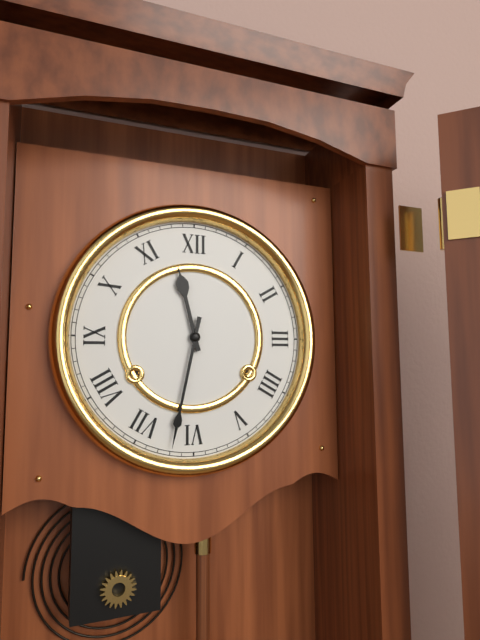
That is 11h32
